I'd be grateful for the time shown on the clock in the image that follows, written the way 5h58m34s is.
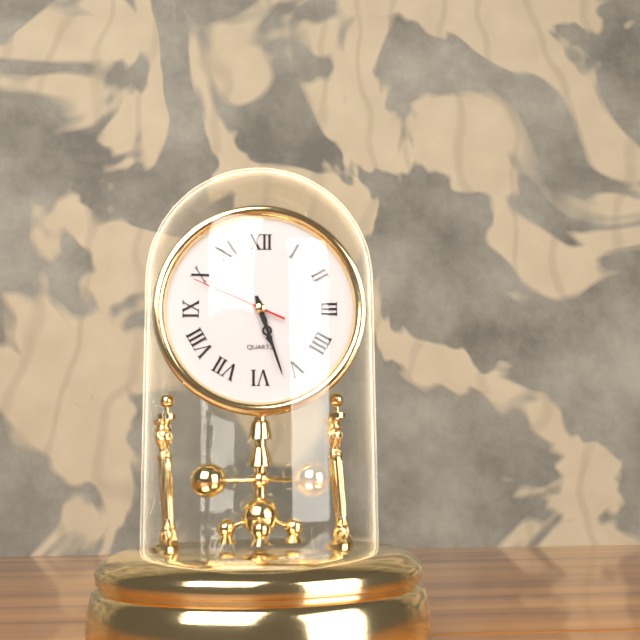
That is 5h27m49s
